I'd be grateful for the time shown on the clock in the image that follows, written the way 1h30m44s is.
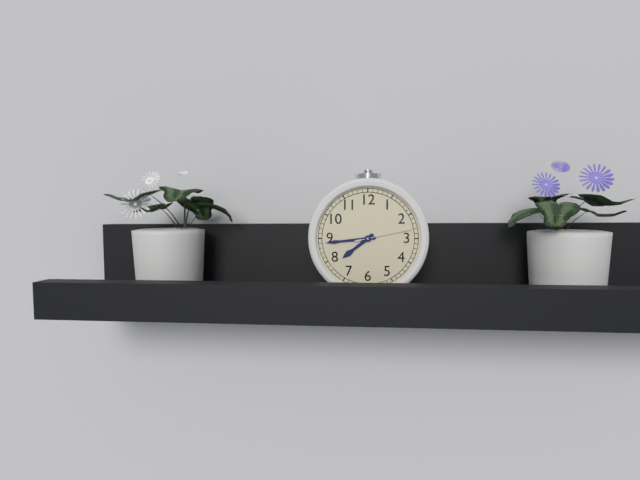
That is 7h44m13s
